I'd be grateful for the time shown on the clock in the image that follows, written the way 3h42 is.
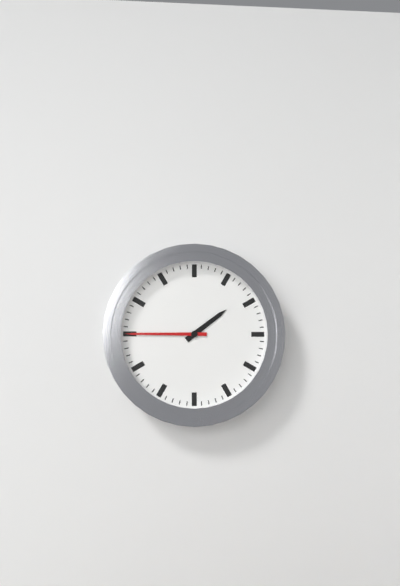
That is 1h45
